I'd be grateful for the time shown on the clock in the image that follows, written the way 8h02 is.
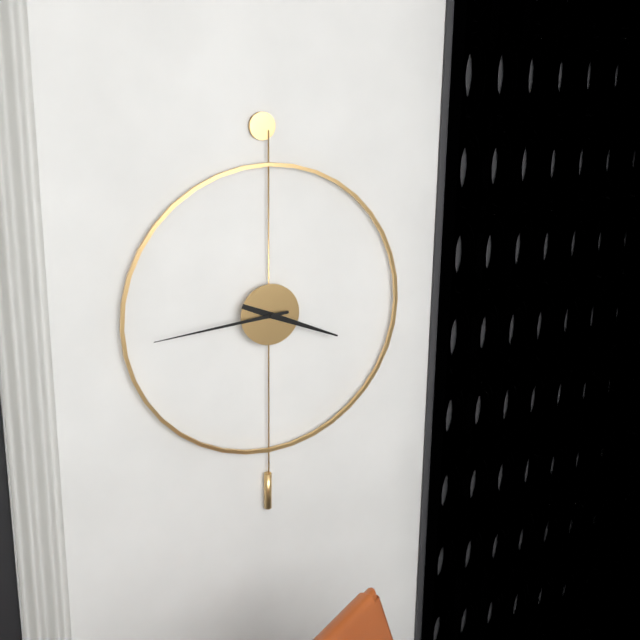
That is 3h44
